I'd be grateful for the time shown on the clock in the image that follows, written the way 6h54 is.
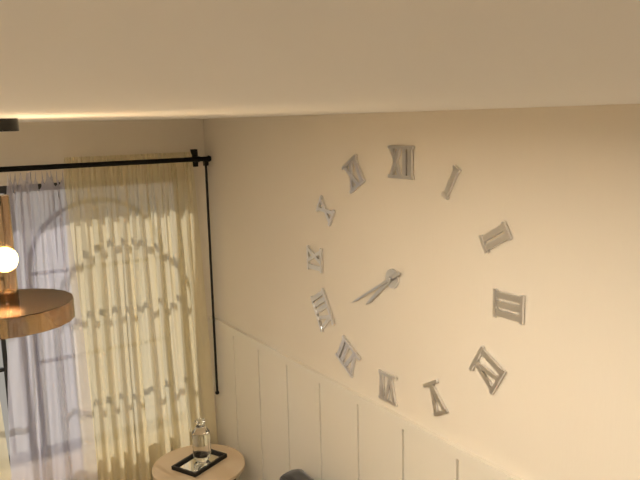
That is 7h40
